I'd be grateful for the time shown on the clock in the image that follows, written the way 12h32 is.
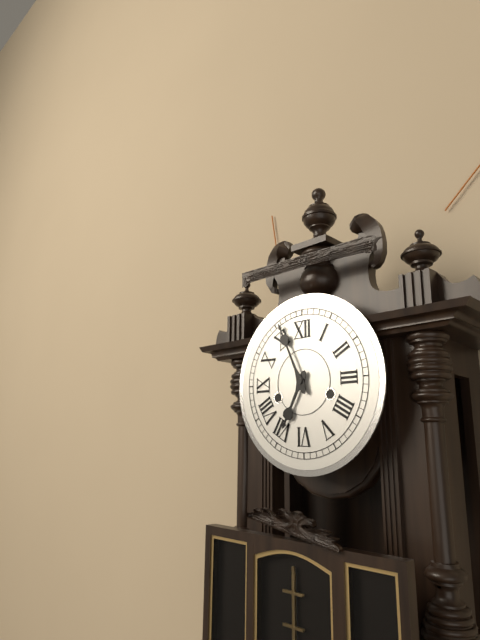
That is 6h56
